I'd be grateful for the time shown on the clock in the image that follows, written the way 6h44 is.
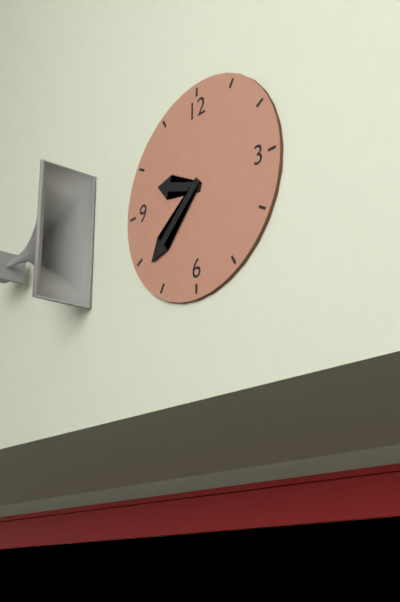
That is 9h38
